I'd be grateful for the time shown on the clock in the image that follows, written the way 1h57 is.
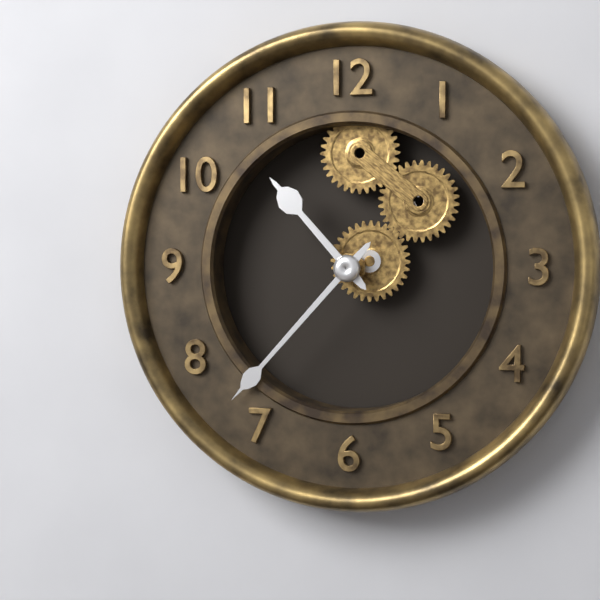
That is 10h37
